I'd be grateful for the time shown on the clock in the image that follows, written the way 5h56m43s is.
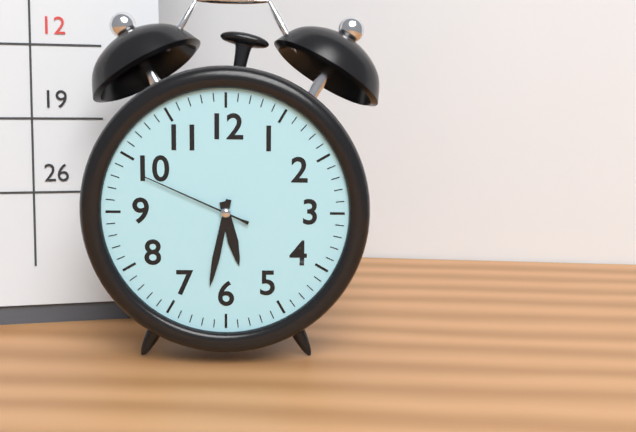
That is 5h32m49s
